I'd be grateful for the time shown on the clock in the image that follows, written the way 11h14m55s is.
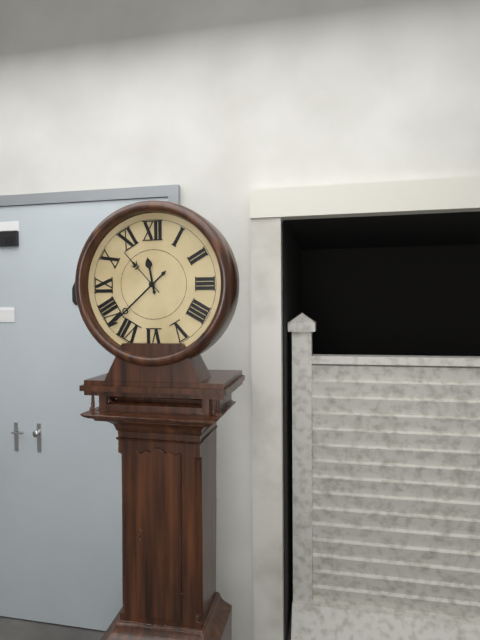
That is 11h38m53s
